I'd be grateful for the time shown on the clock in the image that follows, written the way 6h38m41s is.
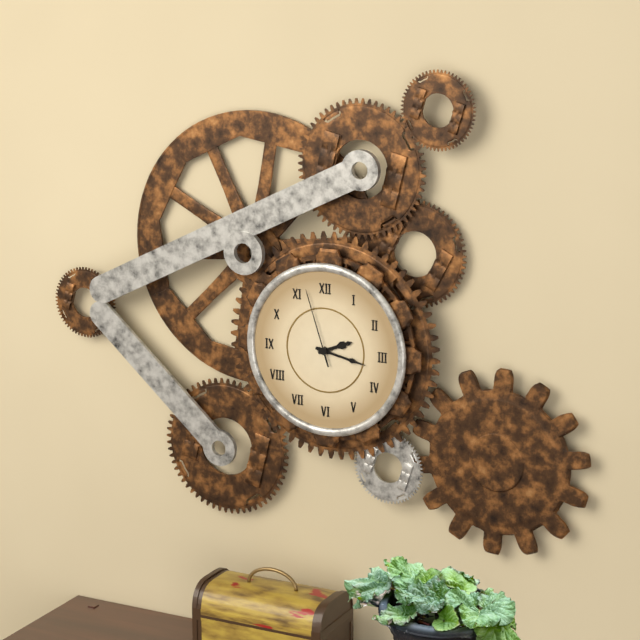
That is 2h17m57s
